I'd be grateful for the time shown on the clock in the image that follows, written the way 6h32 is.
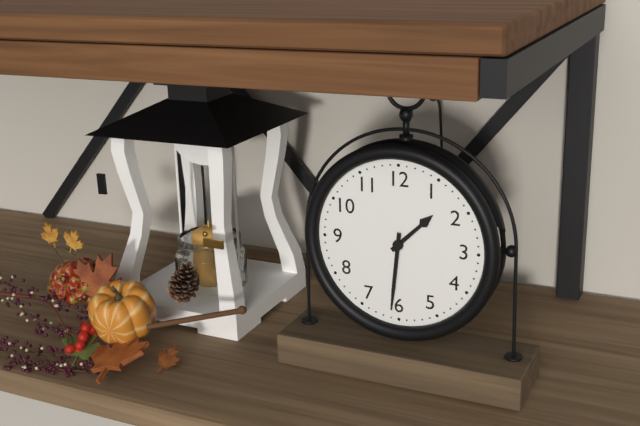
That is 1h31
